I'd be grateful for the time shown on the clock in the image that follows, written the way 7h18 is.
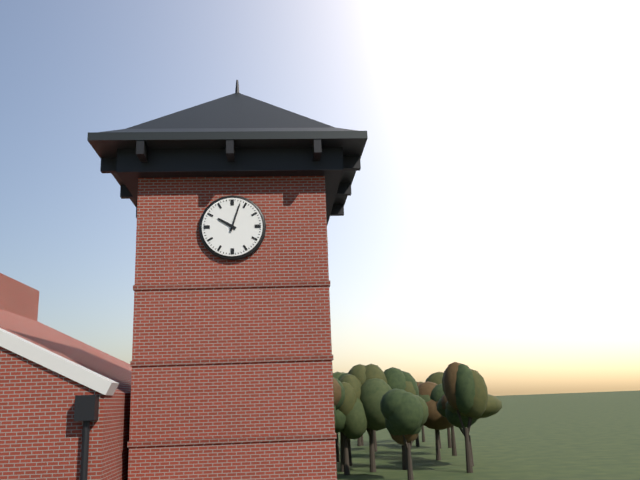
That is 10h03
